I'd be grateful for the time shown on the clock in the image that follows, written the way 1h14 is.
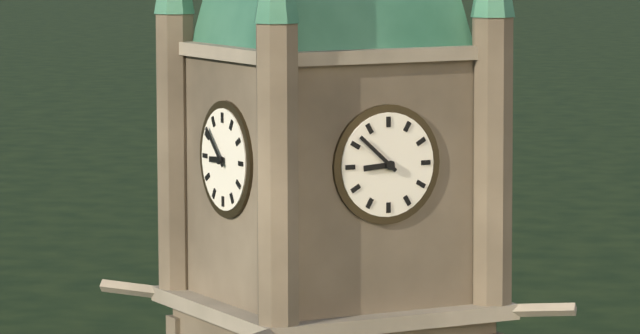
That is 8h52
